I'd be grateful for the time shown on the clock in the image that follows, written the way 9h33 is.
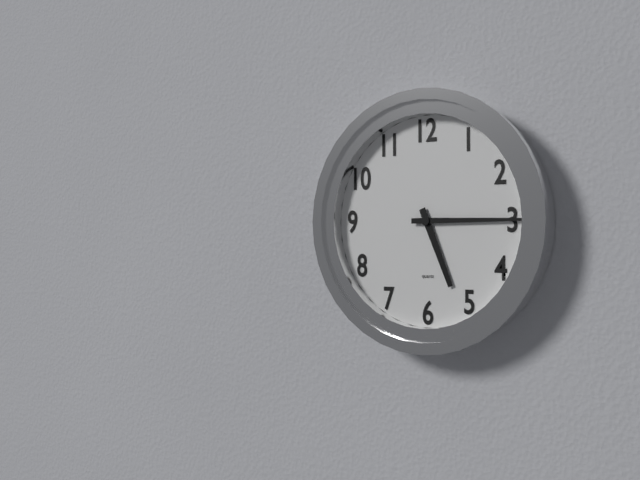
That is 5h15
